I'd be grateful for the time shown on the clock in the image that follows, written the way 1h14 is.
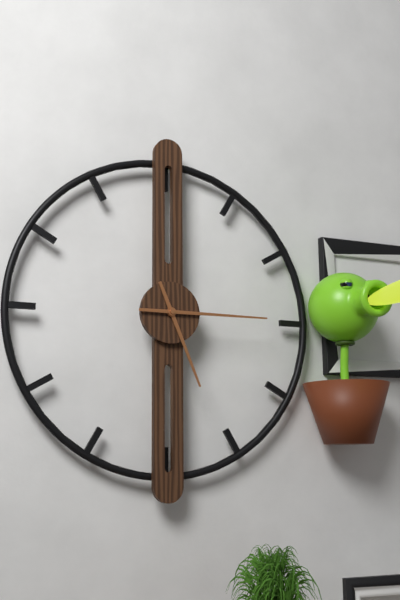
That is 5h15
